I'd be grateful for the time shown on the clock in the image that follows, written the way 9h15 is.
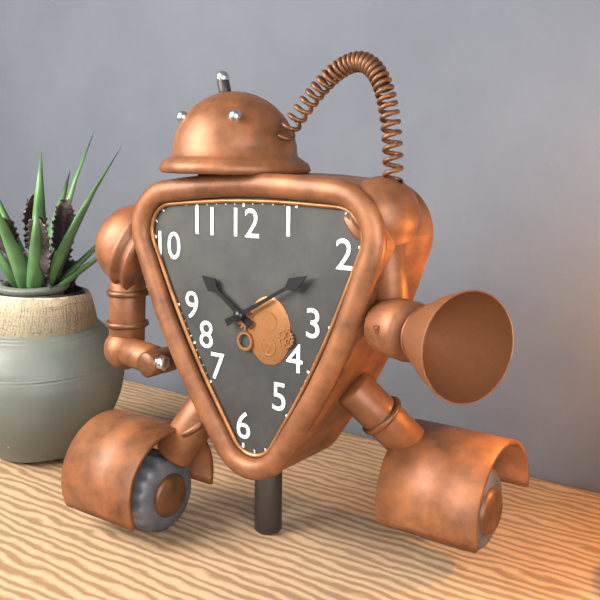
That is 10h10
